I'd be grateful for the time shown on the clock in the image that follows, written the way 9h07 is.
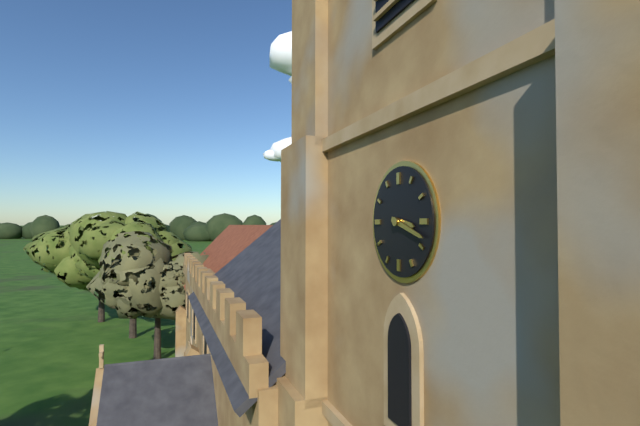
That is 3h18
